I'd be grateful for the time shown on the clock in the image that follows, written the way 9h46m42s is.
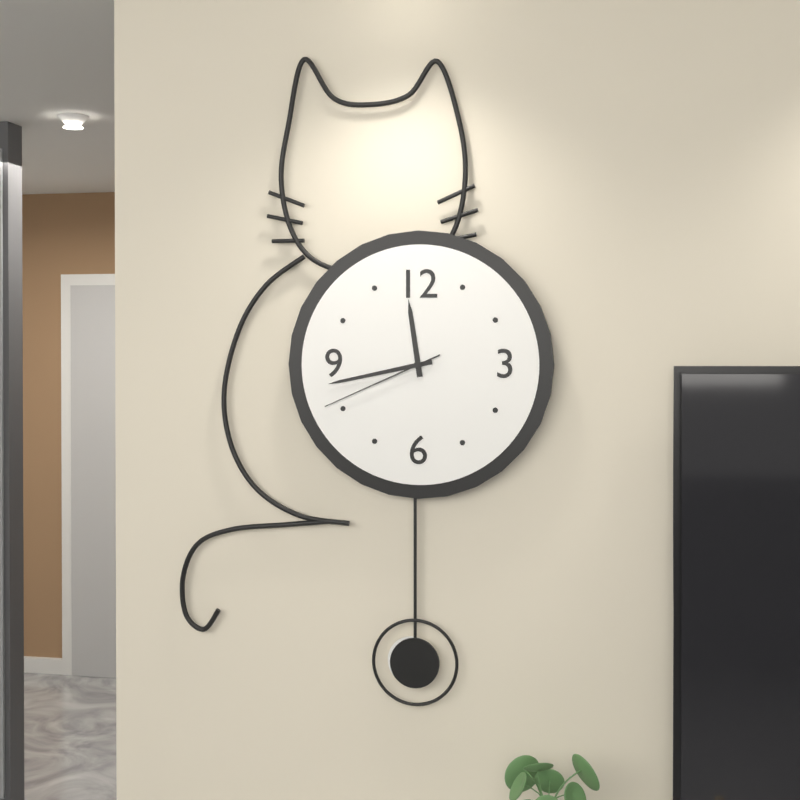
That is 11h43m41s
